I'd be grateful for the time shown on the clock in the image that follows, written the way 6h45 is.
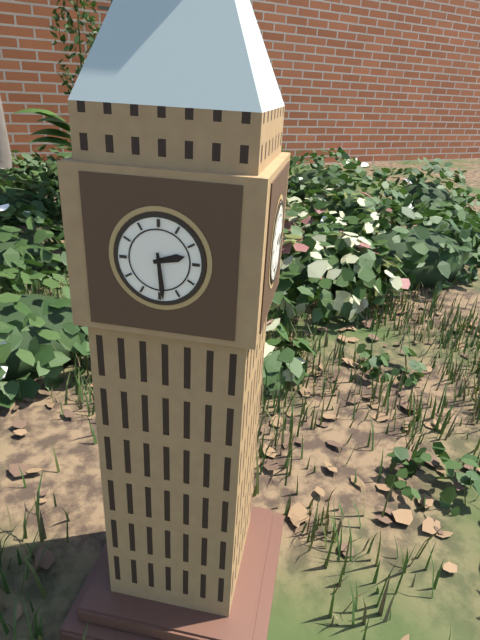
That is 2h29
